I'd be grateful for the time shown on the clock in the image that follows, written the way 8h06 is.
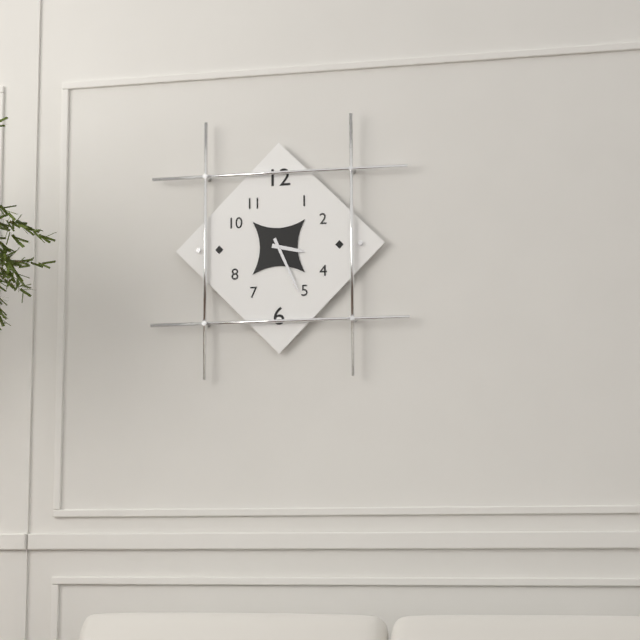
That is 3h26
